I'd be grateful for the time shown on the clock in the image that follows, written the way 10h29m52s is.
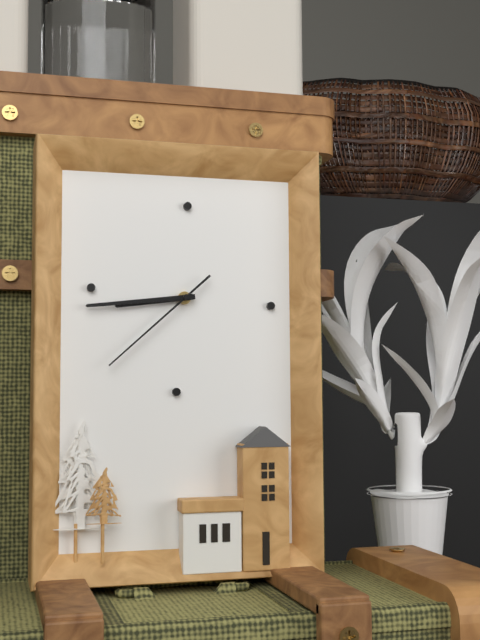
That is 8h44m38s
